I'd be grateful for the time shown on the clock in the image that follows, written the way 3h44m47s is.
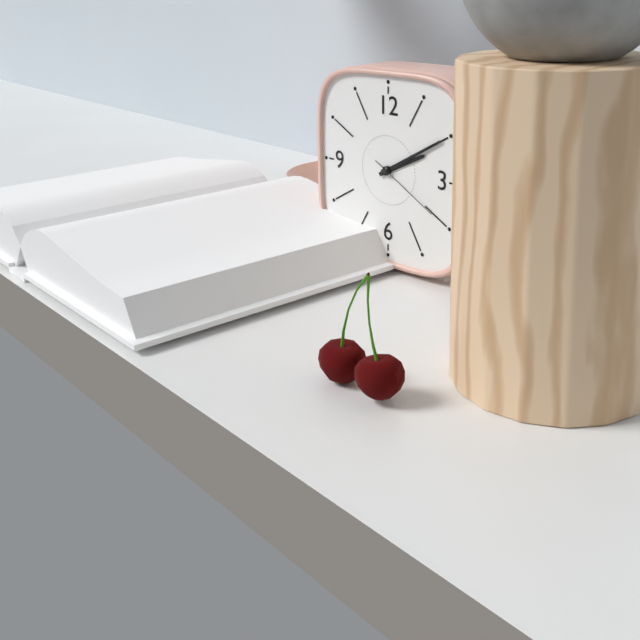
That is 2h10m20s
